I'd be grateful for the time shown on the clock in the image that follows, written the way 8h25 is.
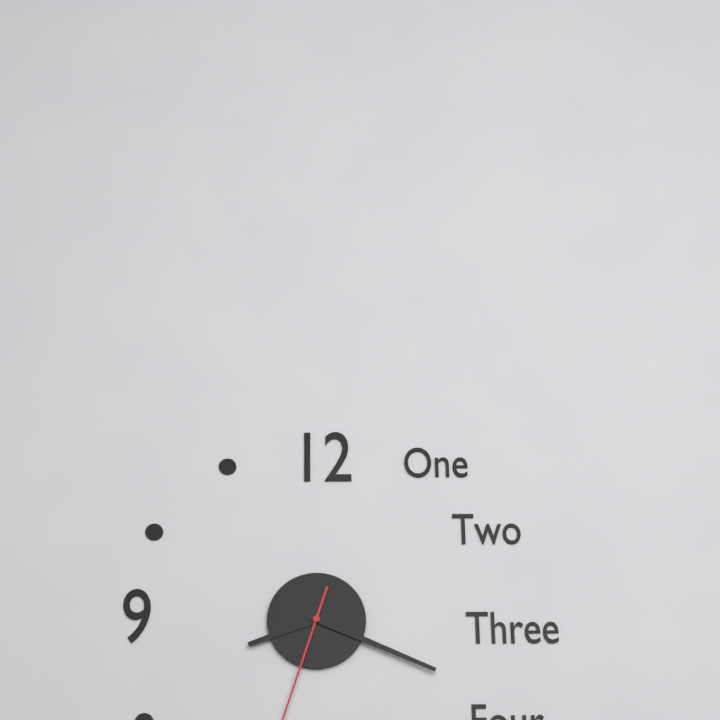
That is 8h19
